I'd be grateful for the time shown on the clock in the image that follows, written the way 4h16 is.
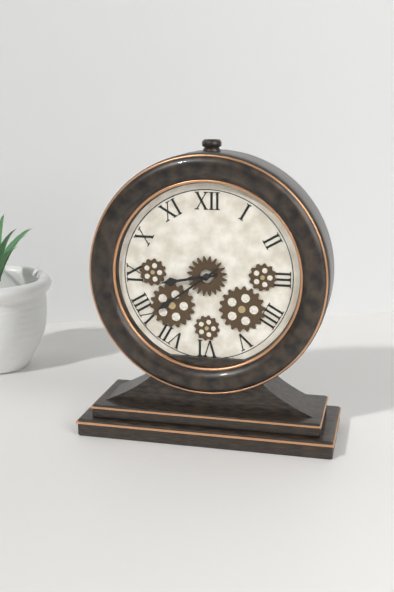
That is 8h39
